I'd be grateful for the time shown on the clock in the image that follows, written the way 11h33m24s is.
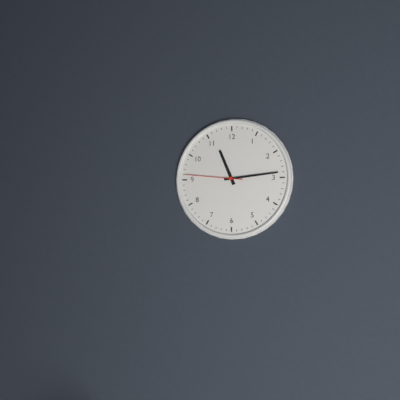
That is 11h14m46s
